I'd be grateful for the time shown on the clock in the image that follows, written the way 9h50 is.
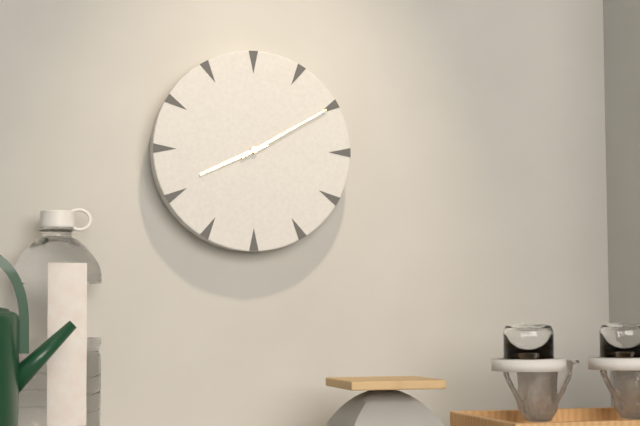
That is 8h10
